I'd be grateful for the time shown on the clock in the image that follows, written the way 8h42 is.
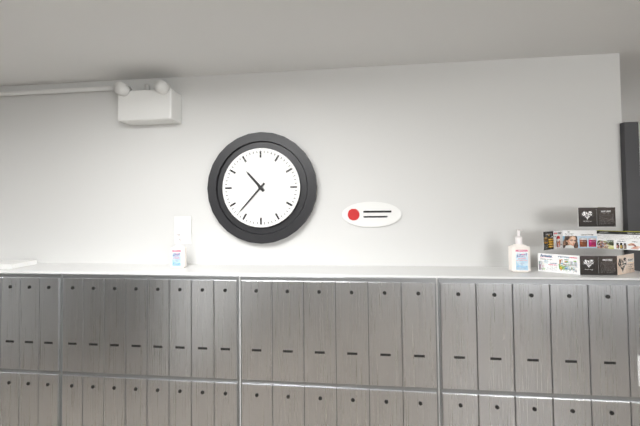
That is 10h37
